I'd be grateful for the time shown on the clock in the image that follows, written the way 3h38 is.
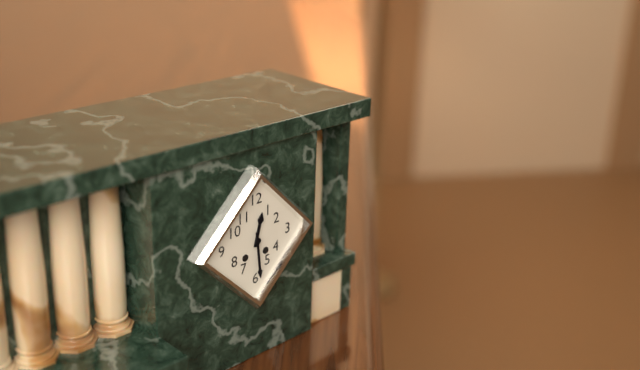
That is 12h29
